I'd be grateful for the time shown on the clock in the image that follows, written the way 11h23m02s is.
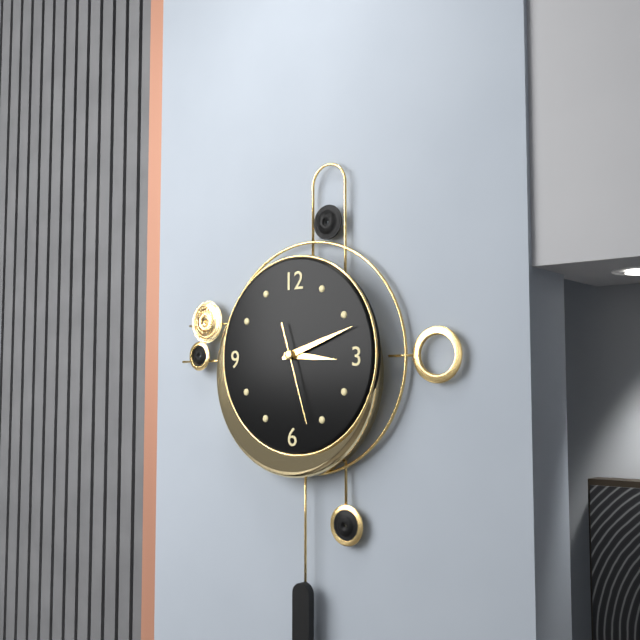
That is 3h12m27s
